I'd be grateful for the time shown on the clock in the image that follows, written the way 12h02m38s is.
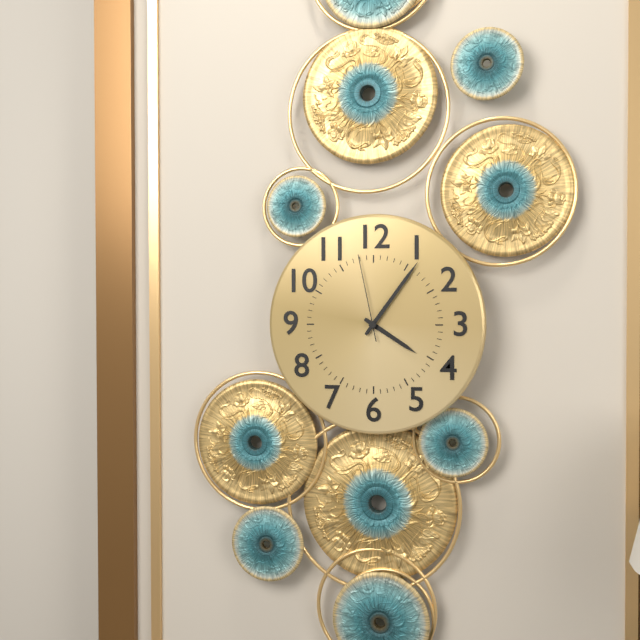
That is 4h06m58s
